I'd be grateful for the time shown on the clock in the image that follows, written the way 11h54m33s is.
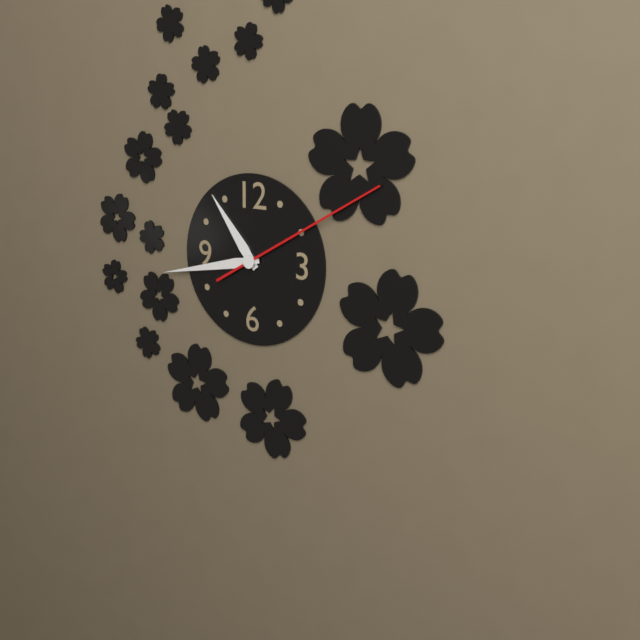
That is 10h43m10s
